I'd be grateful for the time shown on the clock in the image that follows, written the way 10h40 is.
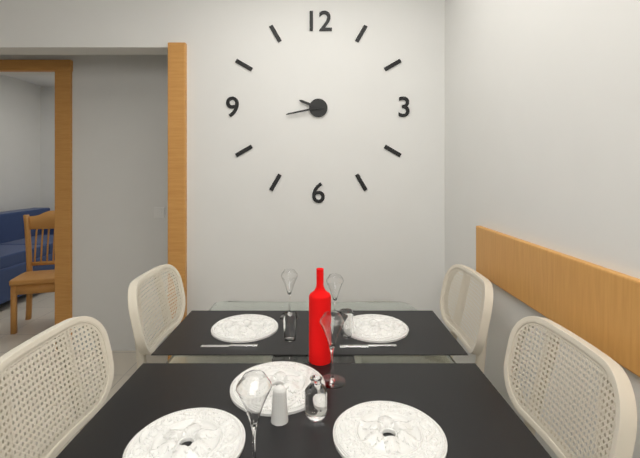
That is 9h43
